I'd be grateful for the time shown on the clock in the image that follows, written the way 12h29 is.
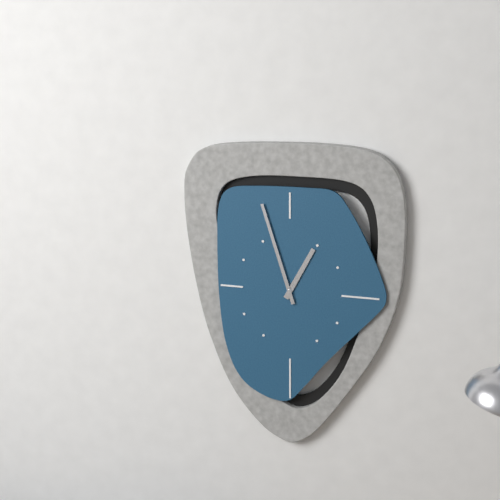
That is 12h57
